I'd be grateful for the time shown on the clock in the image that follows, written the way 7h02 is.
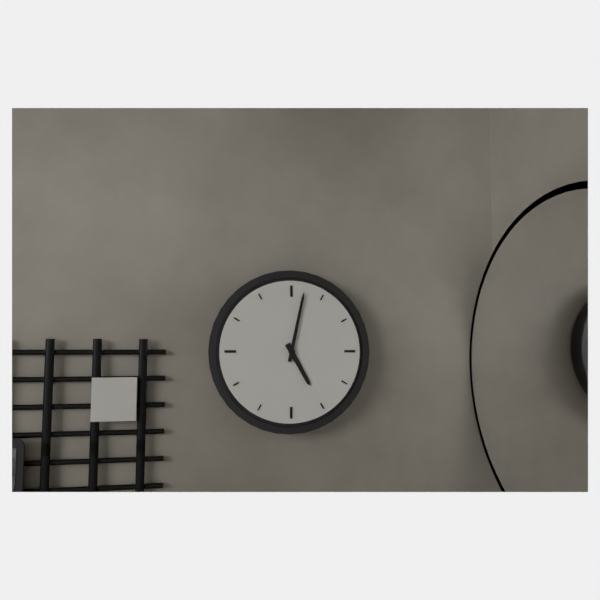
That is 5h02
